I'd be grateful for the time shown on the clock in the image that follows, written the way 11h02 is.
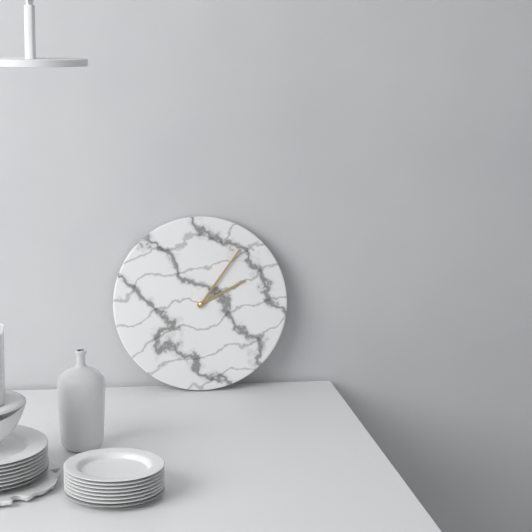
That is 2h06
